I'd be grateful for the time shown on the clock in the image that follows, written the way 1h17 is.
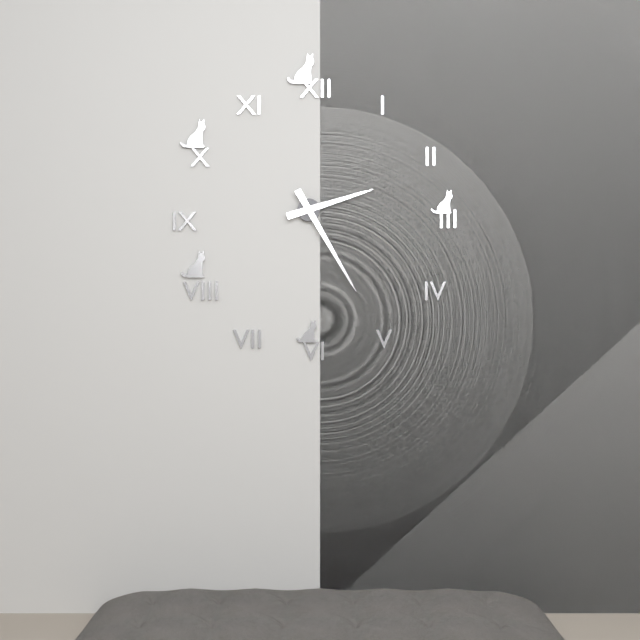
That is 2h25
